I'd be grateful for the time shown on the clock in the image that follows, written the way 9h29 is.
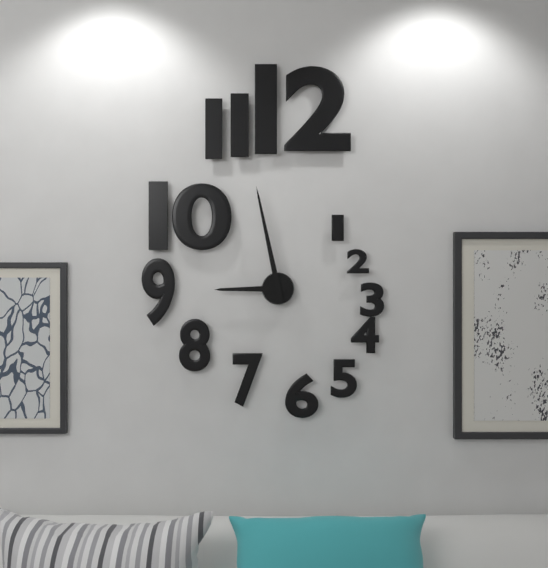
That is 8h58
